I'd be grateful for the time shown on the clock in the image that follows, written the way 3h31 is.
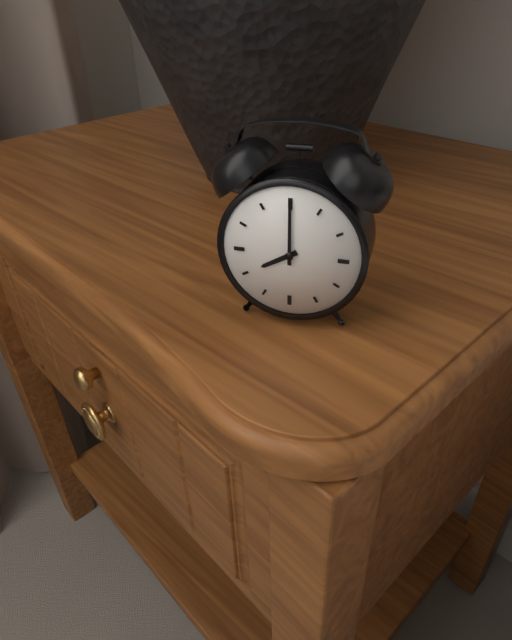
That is 8h00
